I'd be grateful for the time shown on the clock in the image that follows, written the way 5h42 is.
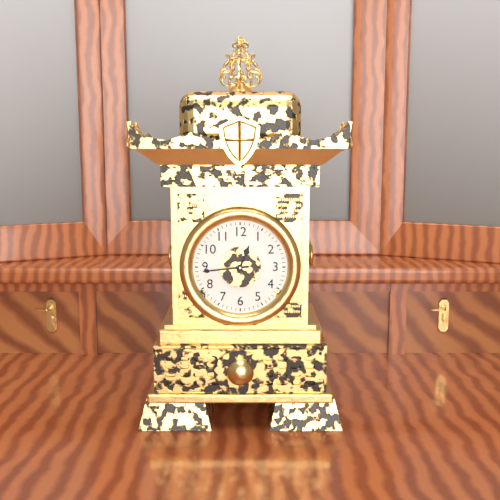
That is 12h44
